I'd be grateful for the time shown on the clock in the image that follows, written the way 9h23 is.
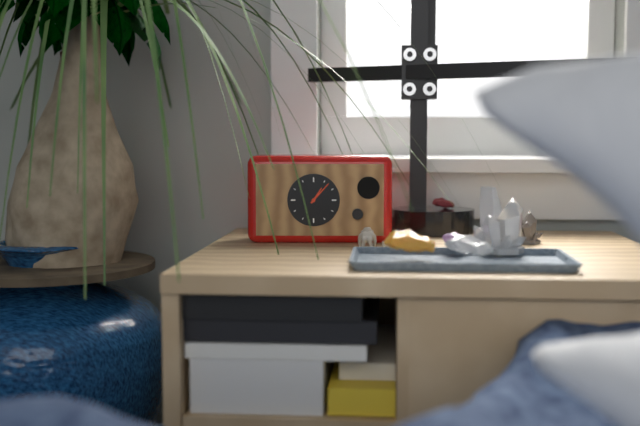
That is 1h07
